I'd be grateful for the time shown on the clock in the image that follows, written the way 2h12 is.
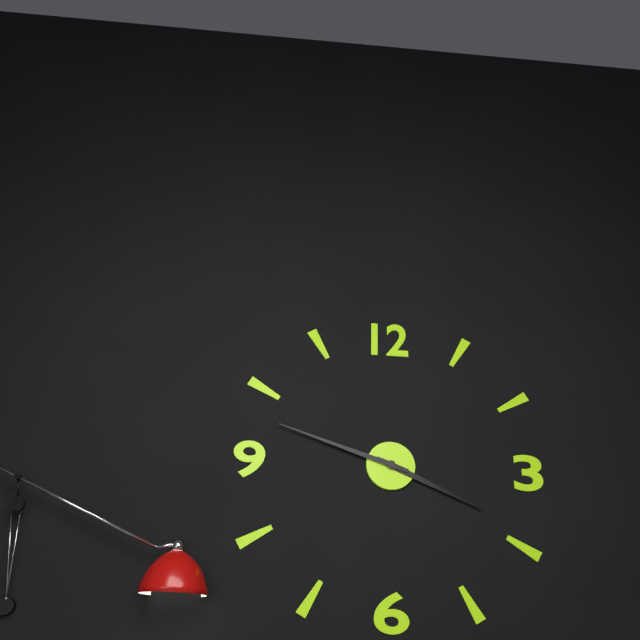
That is 3h48
